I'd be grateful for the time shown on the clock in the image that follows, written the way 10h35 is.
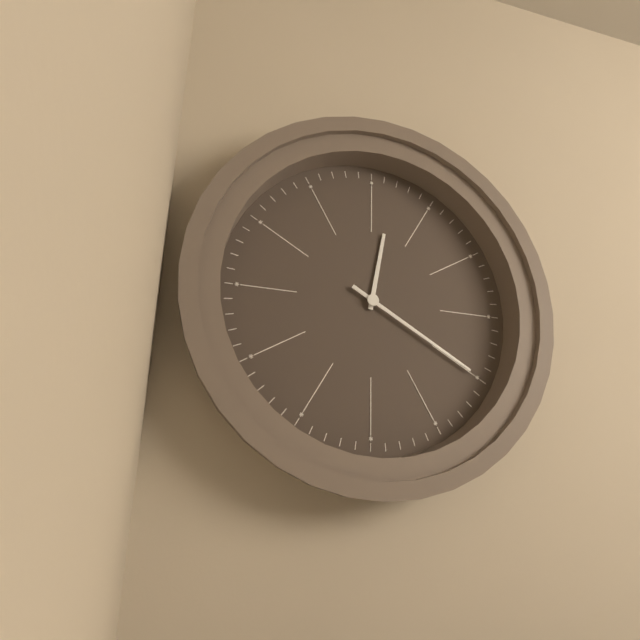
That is 12h20
